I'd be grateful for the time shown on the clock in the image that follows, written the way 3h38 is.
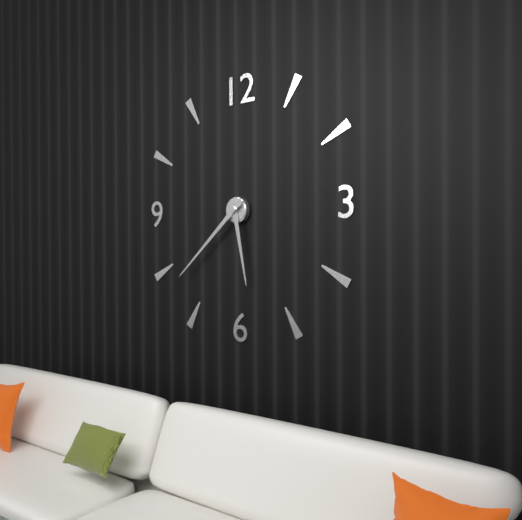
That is 5h38
